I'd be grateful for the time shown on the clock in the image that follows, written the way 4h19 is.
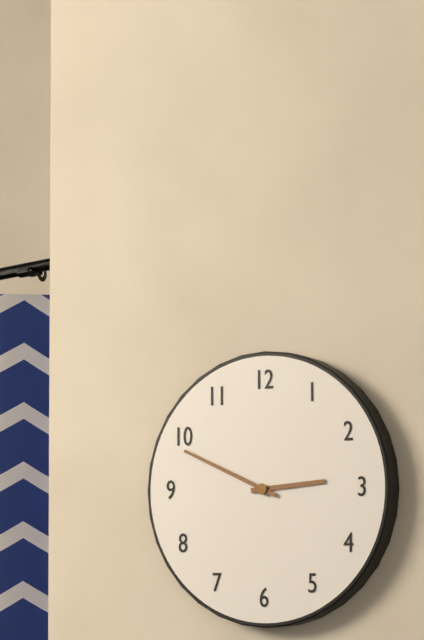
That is 2h49
